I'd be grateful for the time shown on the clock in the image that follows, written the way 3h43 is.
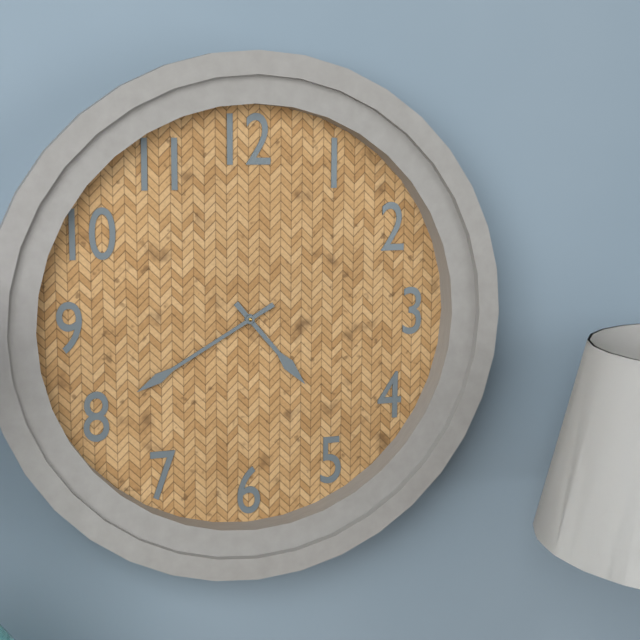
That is 4h40
